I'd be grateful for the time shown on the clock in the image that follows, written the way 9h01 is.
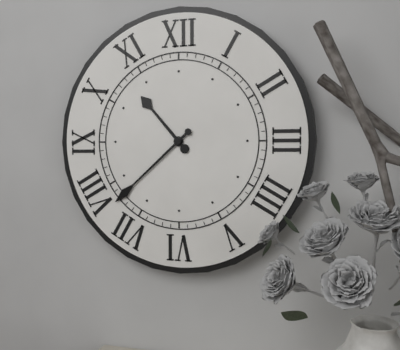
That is 10h38
